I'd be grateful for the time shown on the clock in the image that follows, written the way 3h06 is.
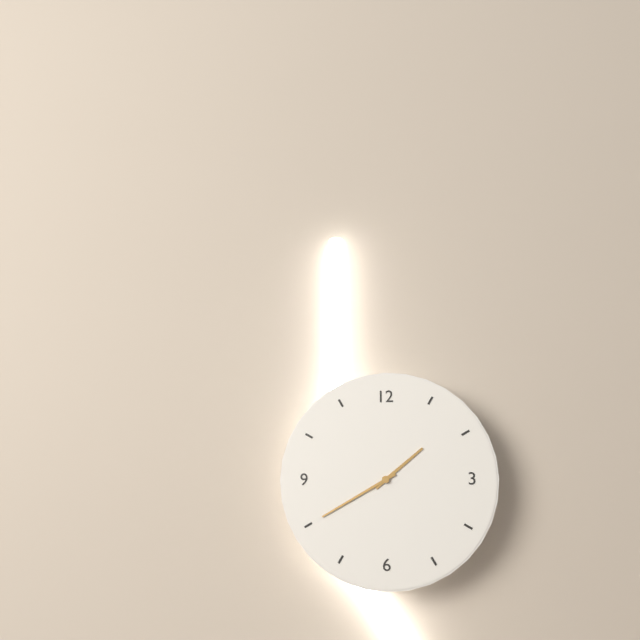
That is 1h40
